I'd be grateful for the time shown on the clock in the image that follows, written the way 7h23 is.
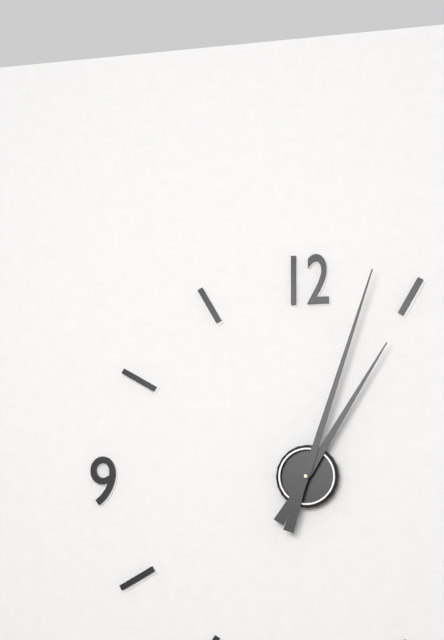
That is 1h03
